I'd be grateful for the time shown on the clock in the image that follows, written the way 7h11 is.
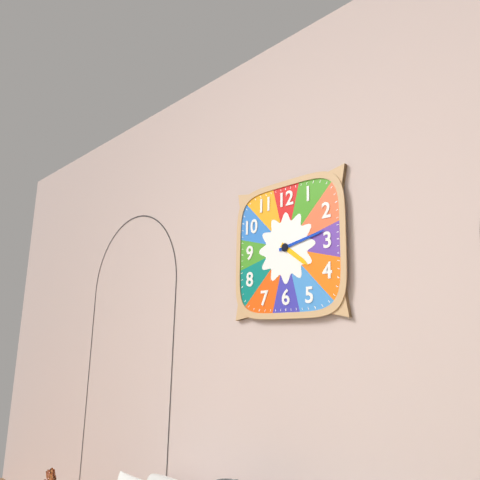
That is 4h13
